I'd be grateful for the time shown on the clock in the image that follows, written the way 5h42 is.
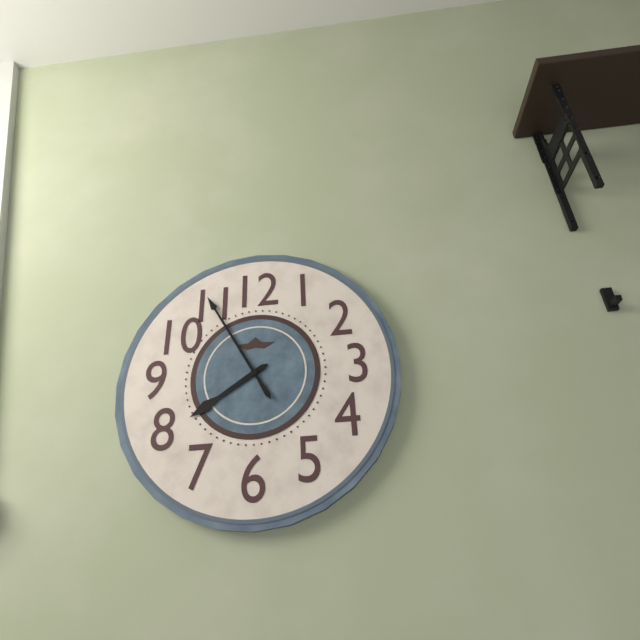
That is 7h55
